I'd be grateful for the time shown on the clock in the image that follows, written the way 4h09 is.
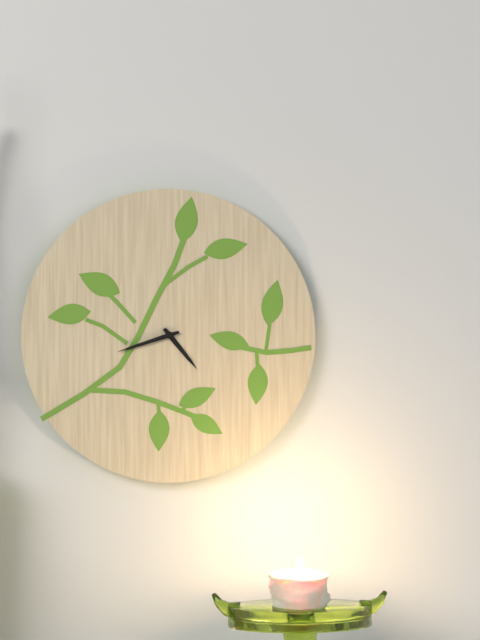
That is 4h42
